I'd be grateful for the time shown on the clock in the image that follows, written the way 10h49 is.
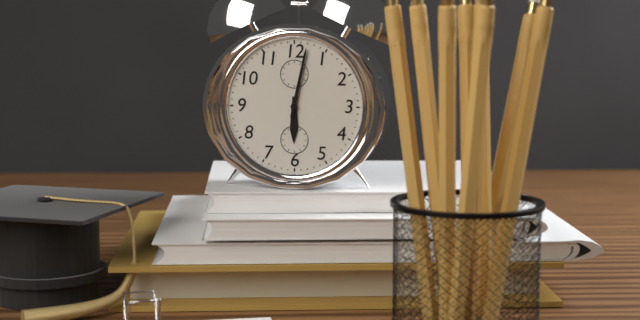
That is 6h02
